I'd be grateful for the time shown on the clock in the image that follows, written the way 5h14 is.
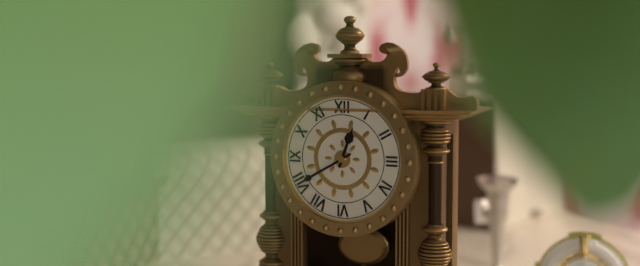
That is 12h40
